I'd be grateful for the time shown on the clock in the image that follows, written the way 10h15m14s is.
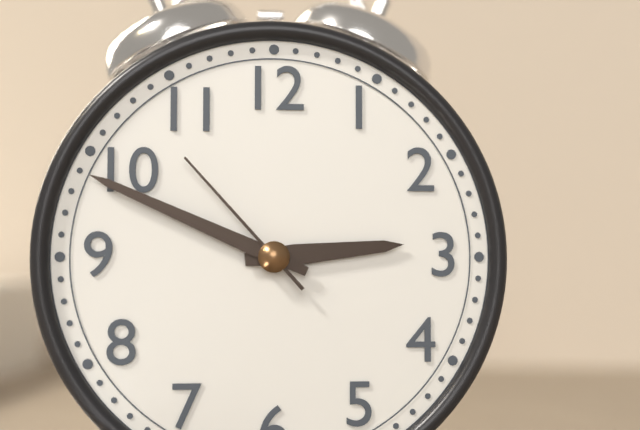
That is 2h49m53s
